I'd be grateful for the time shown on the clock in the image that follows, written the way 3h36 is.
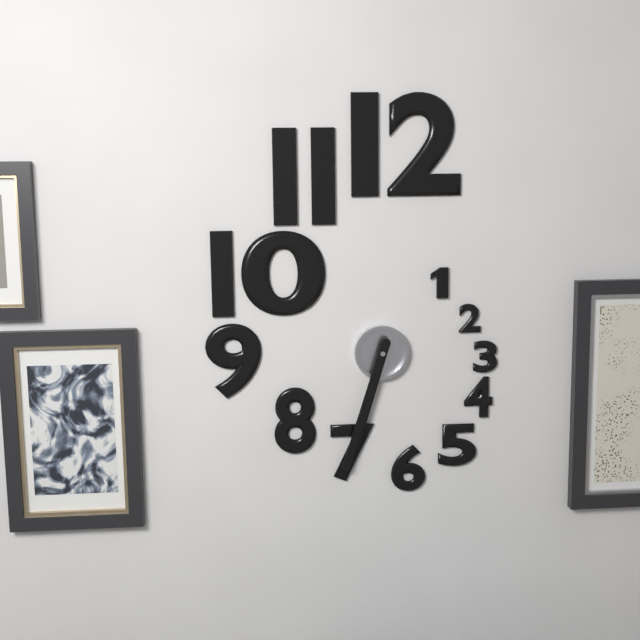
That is 6h33
